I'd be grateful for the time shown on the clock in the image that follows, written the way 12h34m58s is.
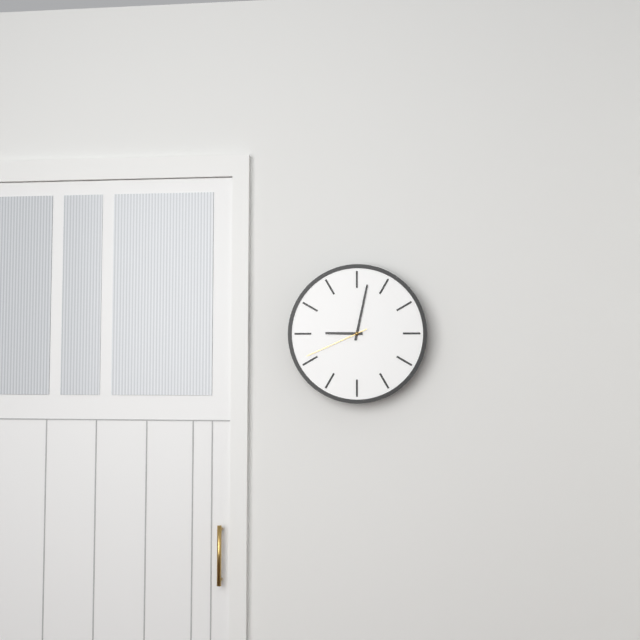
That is 9h02m41s
